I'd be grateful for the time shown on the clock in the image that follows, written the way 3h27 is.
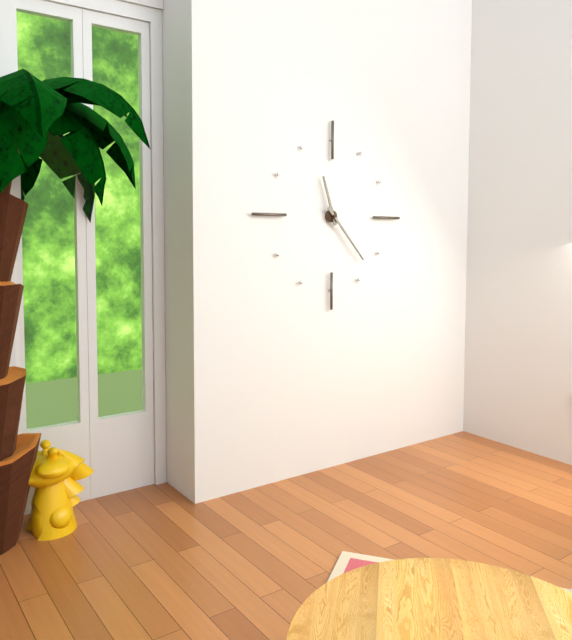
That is 11h23
